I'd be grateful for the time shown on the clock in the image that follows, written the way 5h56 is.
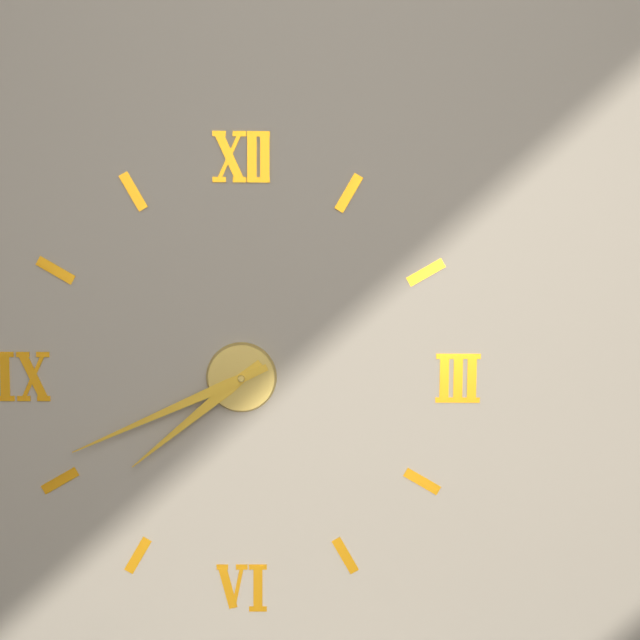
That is 7h41
